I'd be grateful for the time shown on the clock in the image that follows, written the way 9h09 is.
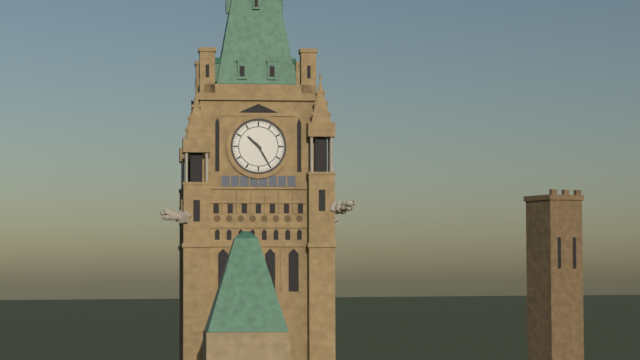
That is 10h25
